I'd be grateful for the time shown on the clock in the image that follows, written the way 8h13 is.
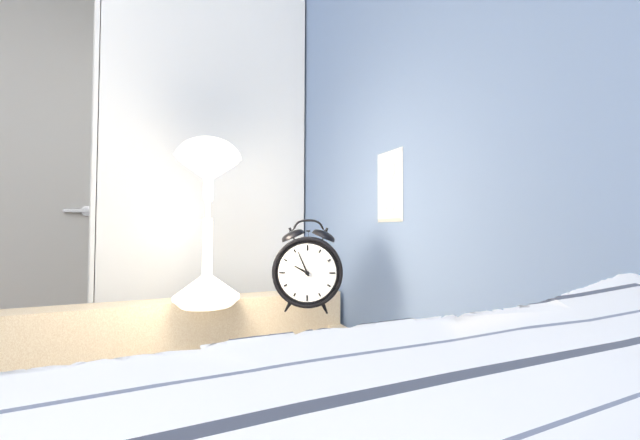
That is 9h56
